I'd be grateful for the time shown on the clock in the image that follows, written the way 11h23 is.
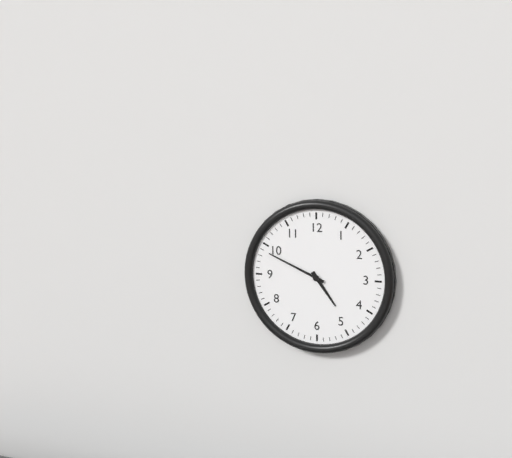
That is 4h49
